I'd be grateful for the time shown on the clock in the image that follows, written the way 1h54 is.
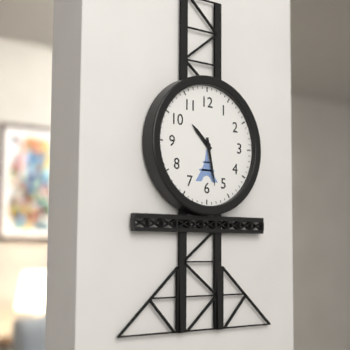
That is 10h28
